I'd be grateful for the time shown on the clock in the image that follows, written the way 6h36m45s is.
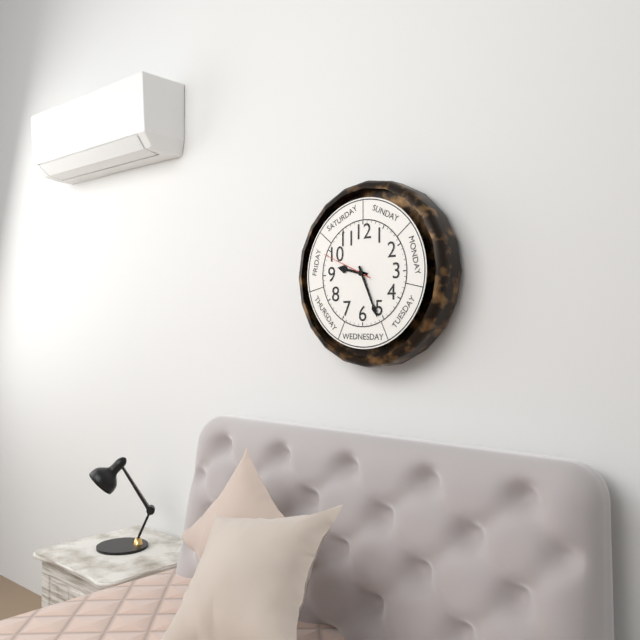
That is 9h26m49s
